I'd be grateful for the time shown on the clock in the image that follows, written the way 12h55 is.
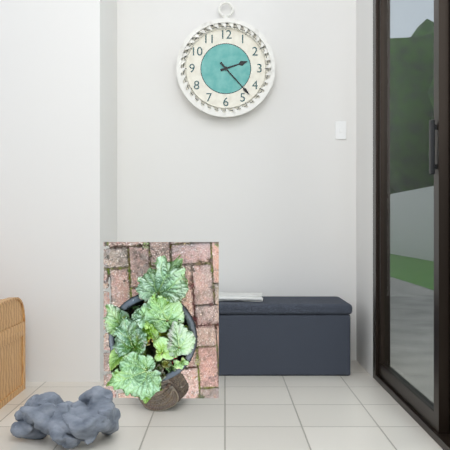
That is 2h23
